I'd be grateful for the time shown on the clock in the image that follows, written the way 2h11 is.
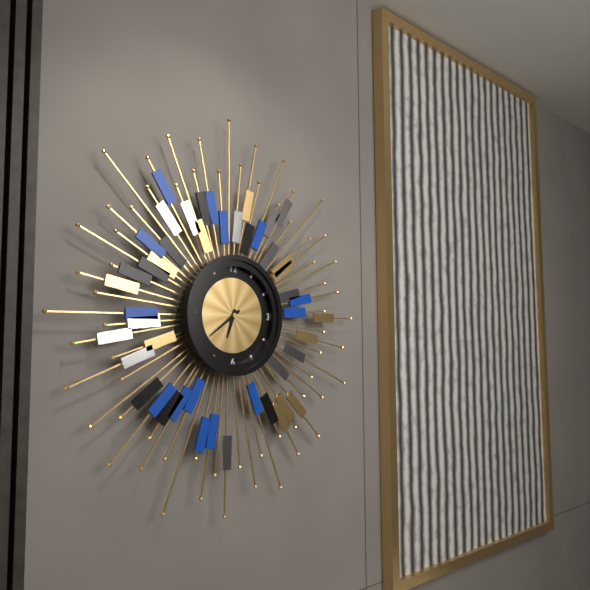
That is 6h39
